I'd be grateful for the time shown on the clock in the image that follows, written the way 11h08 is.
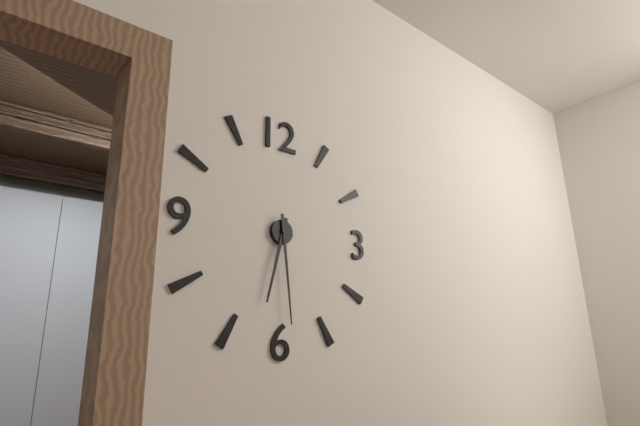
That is 6h29
